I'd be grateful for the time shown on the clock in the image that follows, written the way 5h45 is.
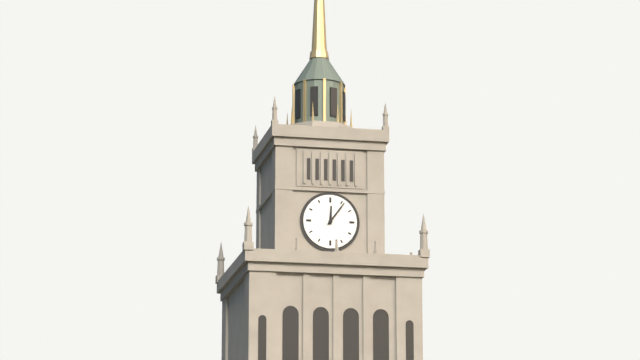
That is 12h06
